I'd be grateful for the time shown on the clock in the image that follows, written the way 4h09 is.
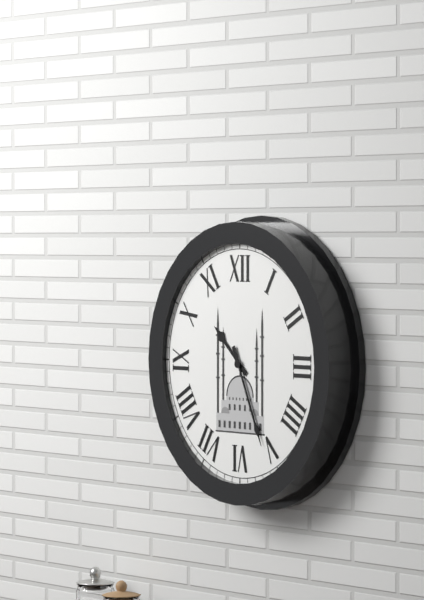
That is 10h26
